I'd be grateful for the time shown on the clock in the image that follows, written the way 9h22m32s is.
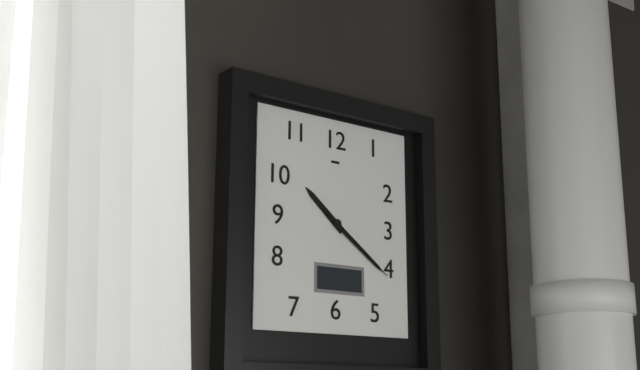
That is 10h21m21s
